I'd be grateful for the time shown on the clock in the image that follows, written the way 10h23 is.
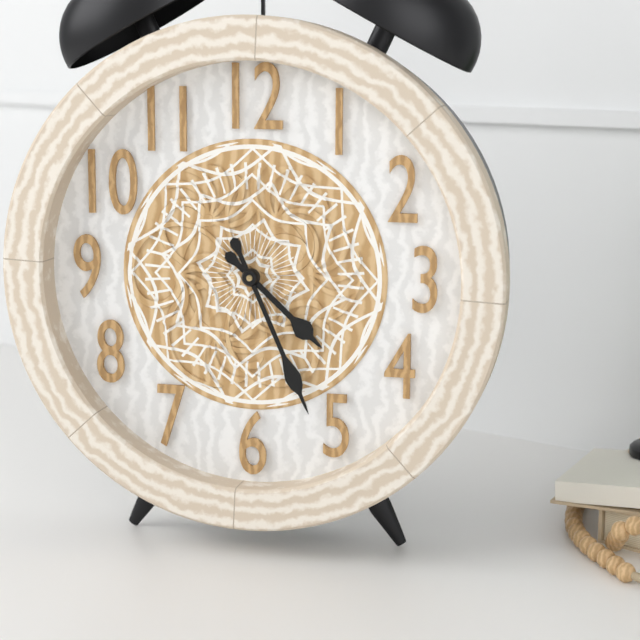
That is 4h26
